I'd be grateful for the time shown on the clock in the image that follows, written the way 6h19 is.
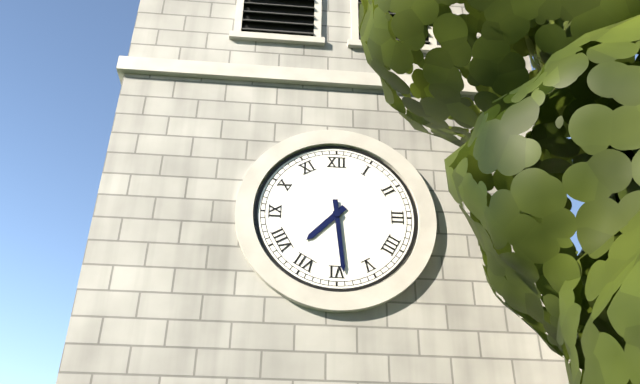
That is 7h29
